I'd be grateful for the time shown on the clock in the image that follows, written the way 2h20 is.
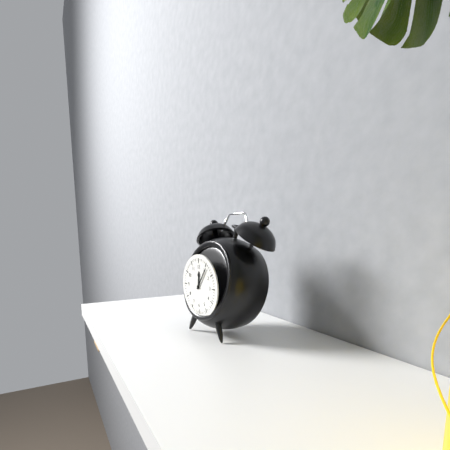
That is 12h06
